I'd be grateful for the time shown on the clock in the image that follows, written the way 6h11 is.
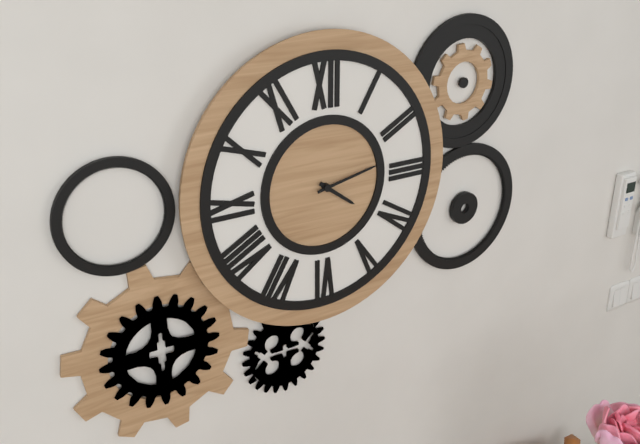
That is 4h13
